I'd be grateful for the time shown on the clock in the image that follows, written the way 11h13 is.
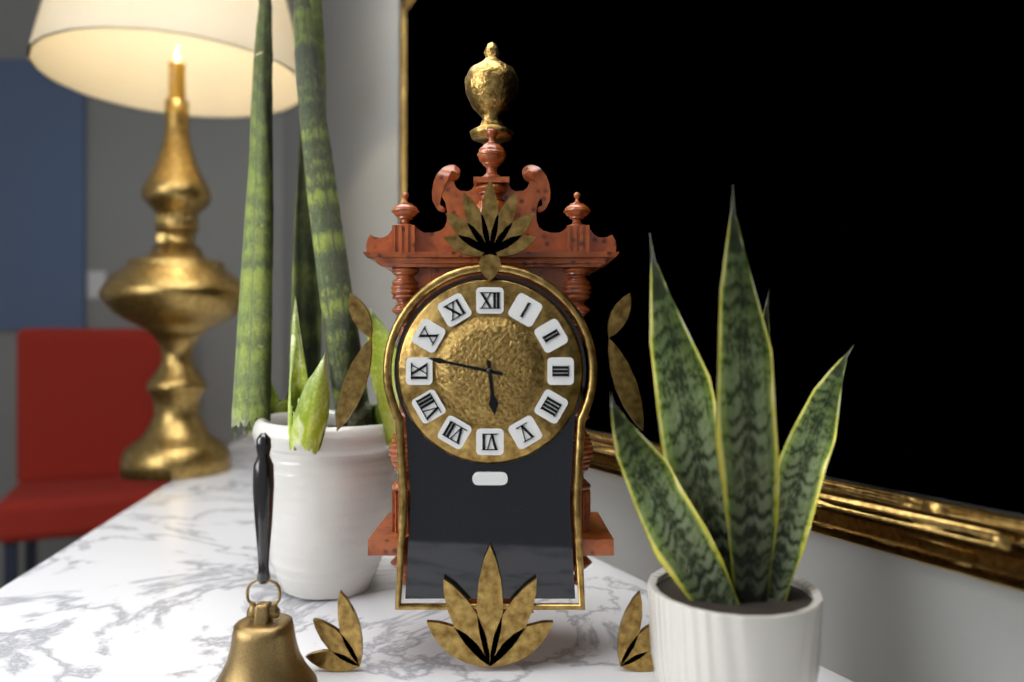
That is 5h47
